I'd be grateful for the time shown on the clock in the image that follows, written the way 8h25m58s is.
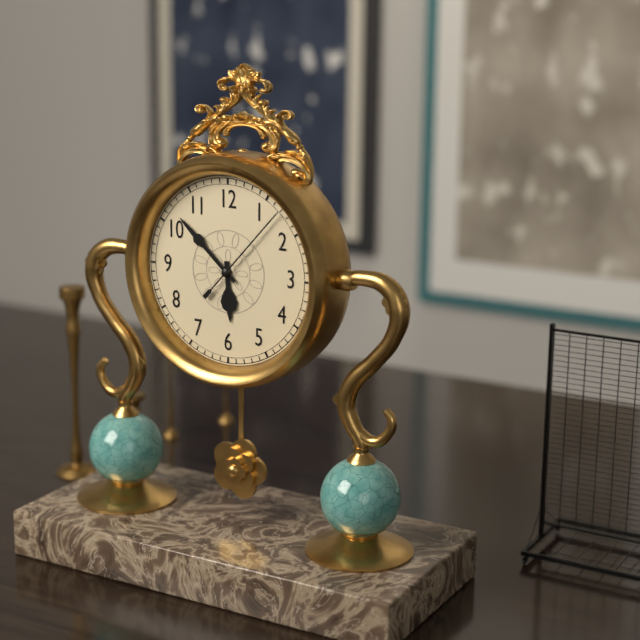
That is 5h52m07s
